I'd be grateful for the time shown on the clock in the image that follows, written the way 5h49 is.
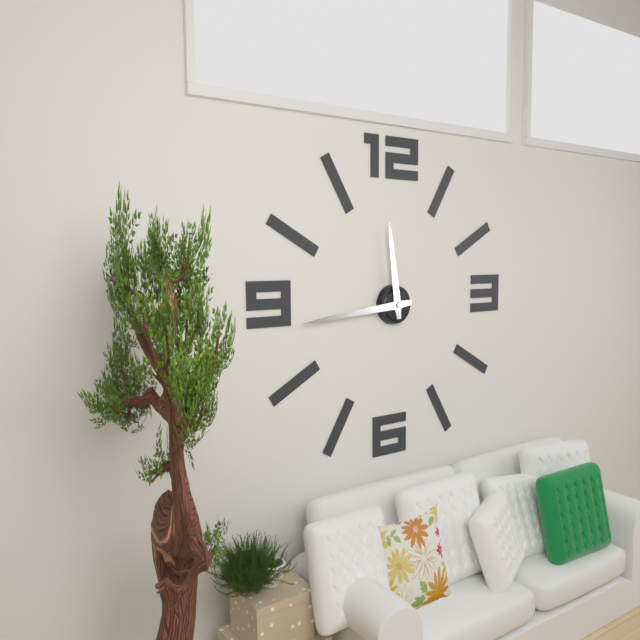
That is 11h44
